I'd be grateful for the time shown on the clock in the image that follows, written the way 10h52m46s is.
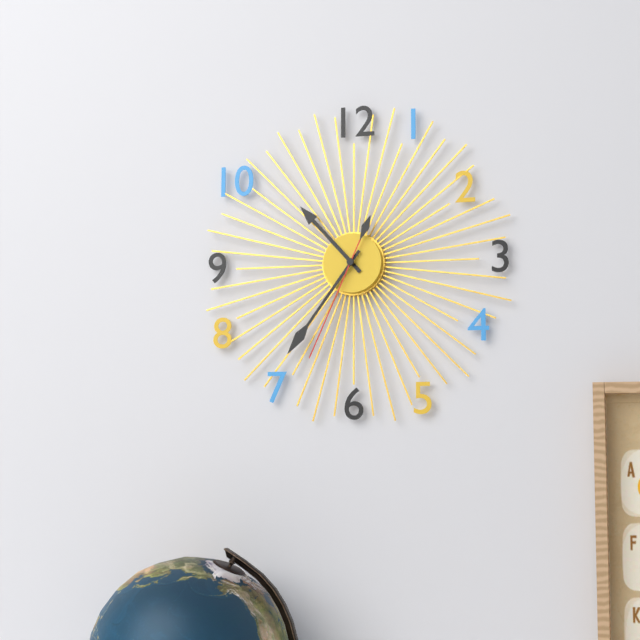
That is 10h36m34s
